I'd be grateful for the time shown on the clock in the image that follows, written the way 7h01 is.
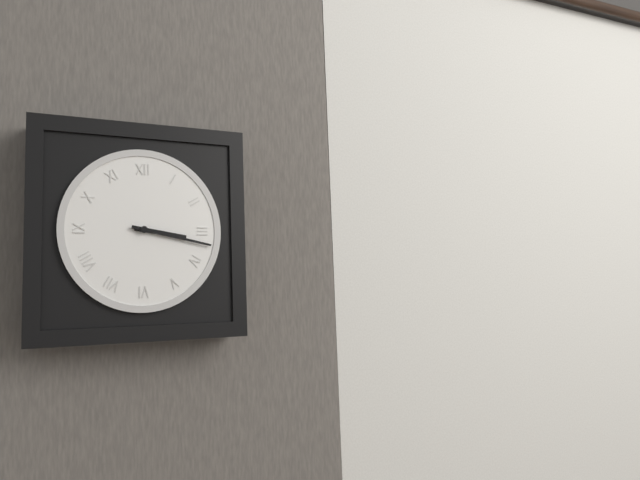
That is 3h17
